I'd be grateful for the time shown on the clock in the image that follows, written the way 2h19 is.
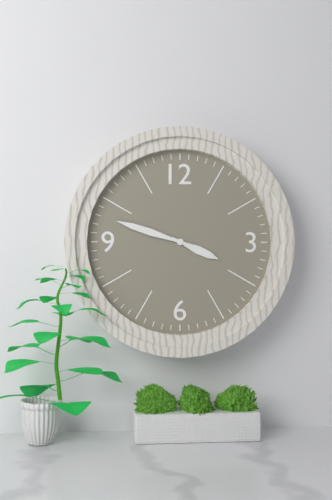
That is 3h48
